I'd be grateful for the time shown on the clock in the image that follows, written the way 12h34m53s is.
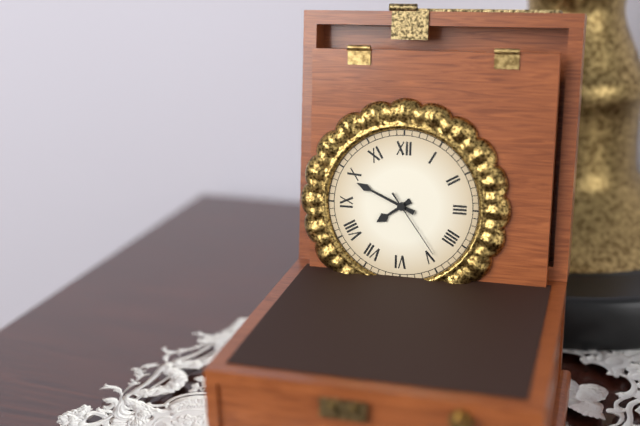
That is 7h49m24s
